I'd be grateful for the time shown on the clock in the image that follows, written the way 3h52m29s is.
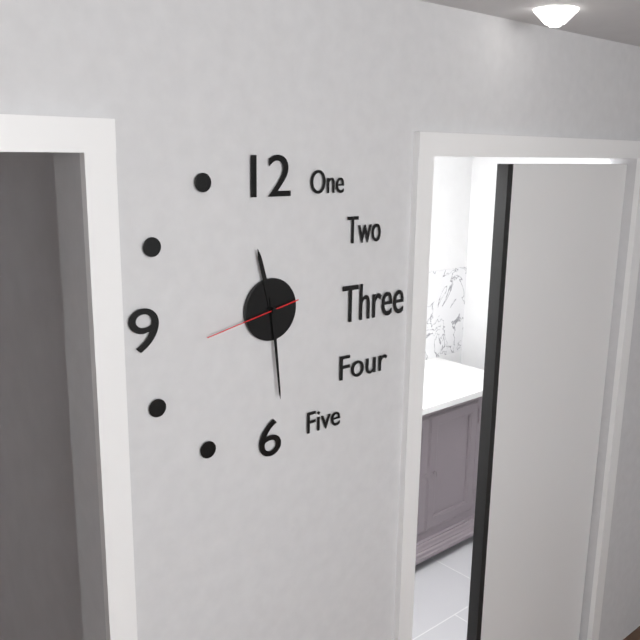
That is 11h29m43s
